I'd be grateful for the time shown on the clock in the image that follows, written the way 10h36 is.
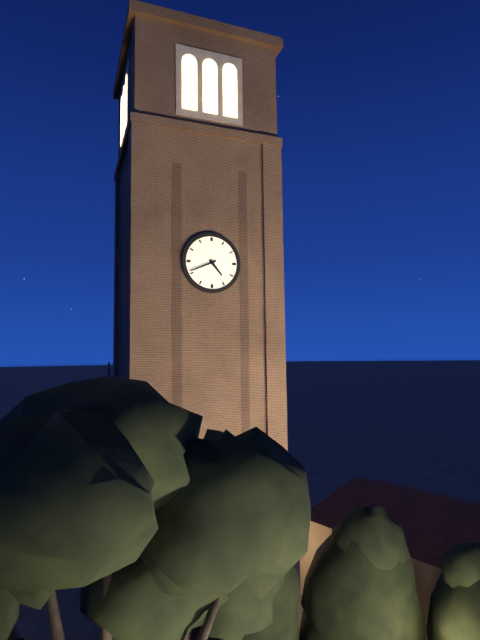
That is 4h41
